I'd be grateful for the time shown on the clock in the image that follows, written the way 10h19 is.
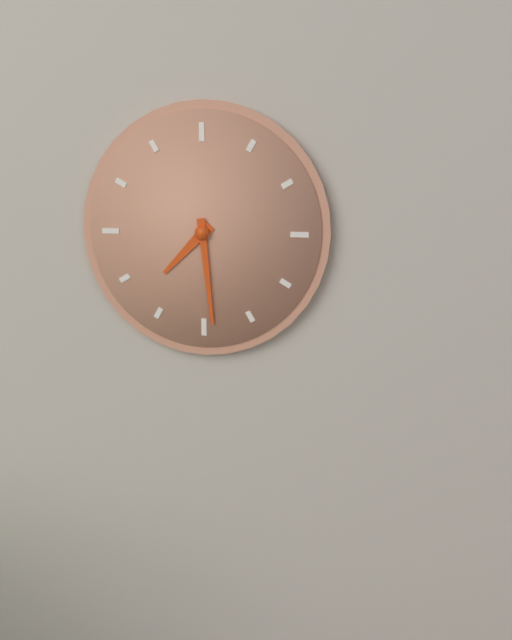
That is 7h29
